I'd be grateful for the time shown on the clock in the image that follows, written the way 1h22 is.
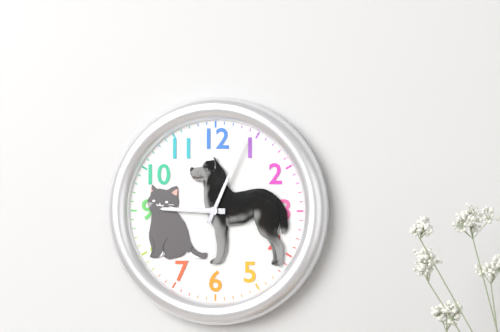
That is 9h04
